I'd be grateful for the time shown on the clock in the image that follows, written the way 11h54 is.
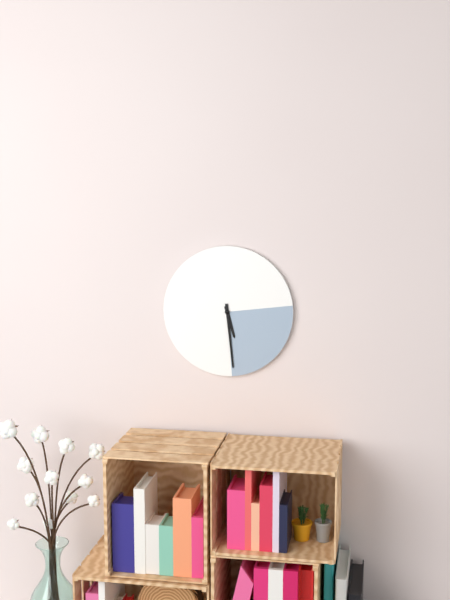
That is 5h29
